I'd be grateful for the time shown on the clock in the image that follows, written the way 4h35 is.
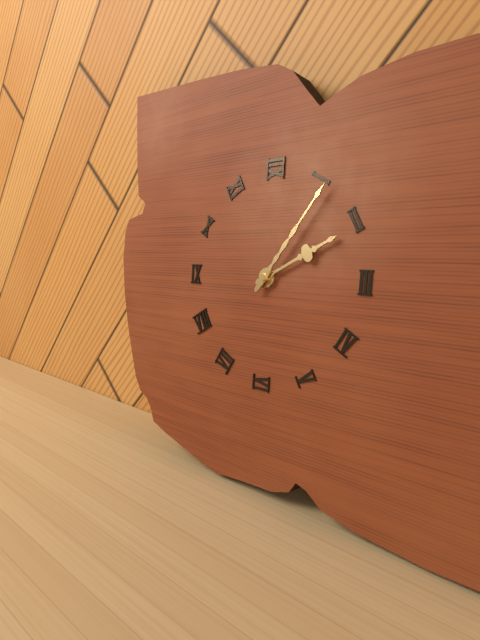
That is 2h06
